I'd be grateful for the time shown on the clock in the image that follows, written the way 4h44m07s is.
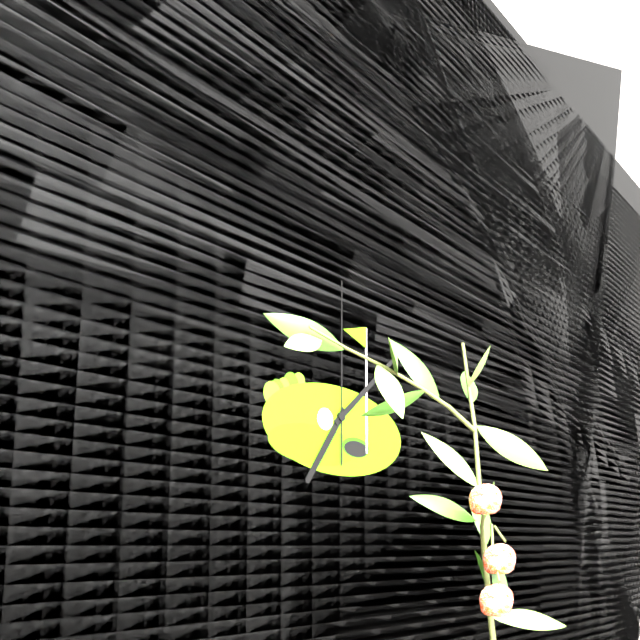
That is 7h08m00s
